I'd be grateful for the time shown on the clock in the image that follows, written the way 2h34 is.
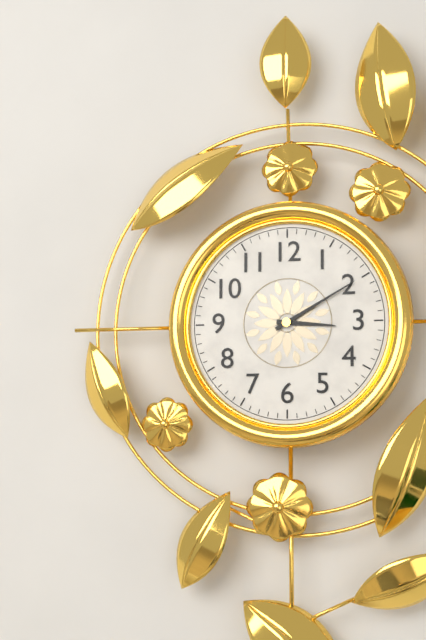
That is 3h10
